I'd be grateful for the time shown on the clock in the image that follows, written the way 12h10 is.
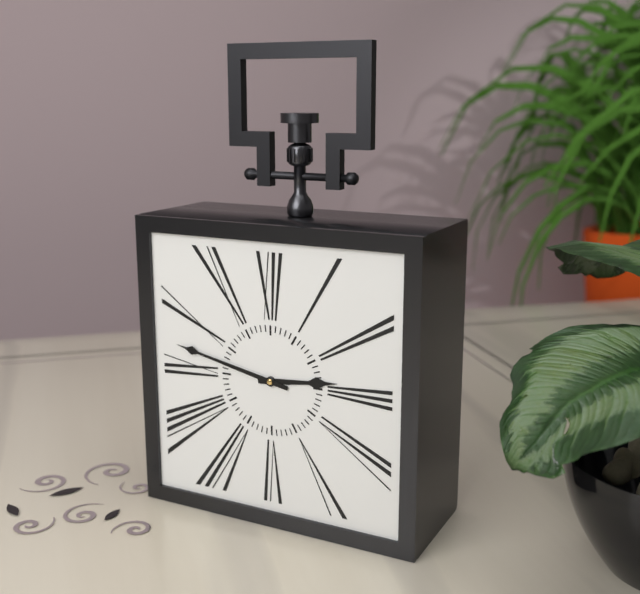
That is 2h47
